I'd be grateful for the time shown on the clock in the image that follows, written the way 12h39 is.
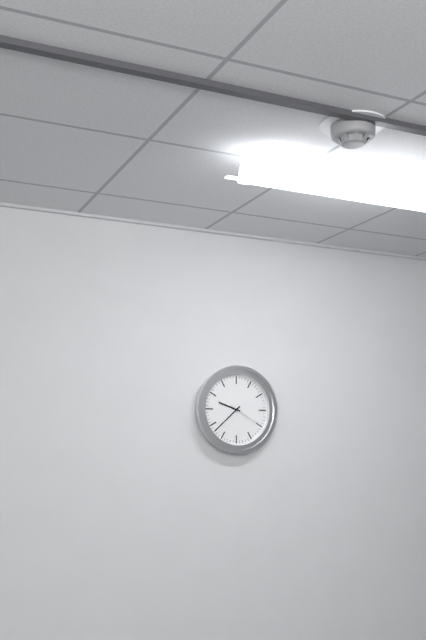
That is 9h38
